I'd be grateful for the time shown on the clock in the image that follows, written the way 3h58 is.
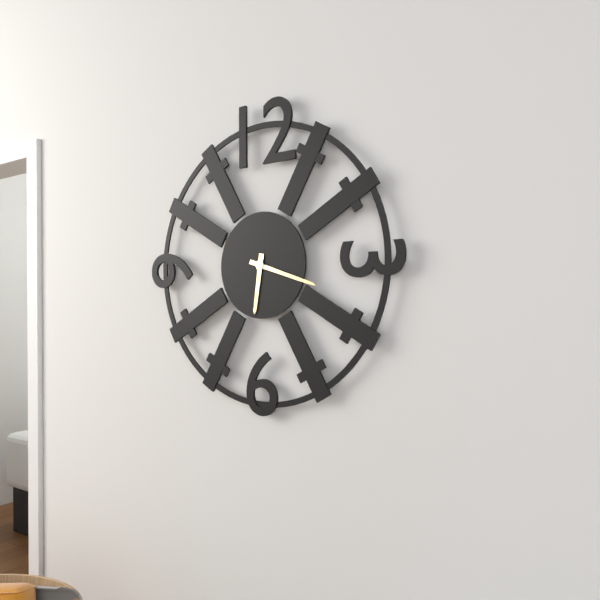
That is 6h18
